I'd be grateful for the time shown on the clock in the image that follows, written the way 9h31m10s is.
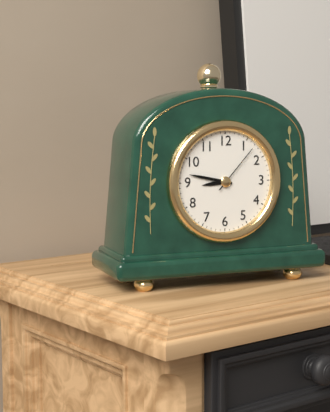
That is 8h47m07s
